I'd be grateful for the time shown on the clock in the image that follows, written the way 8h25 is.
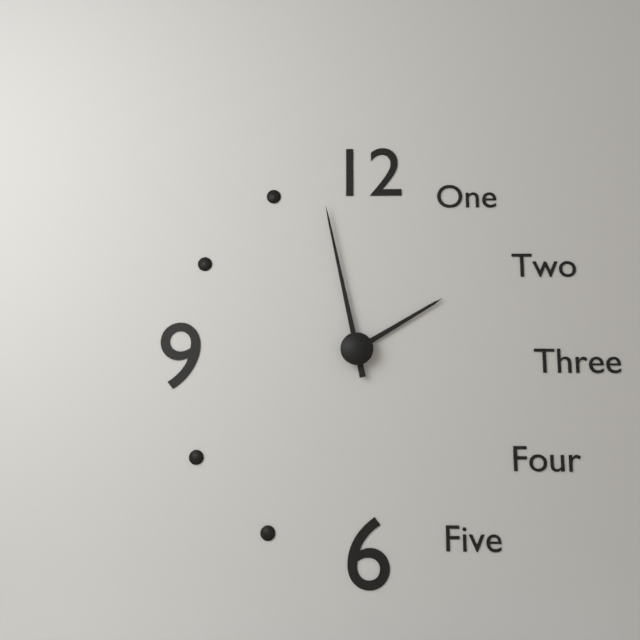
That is 1h58
